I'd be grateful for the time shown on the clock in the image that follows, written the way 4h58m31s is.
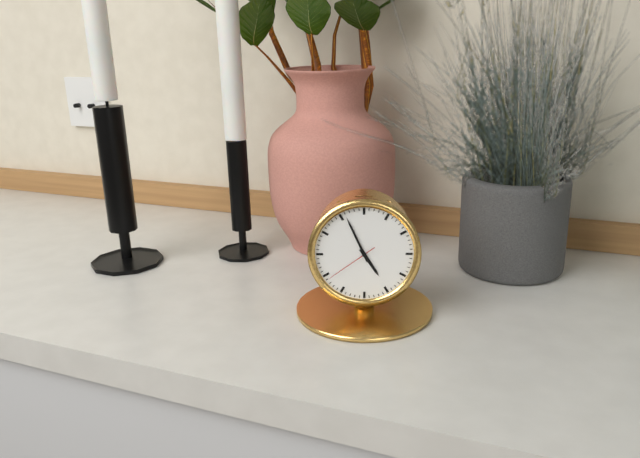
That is 4h56m39s
